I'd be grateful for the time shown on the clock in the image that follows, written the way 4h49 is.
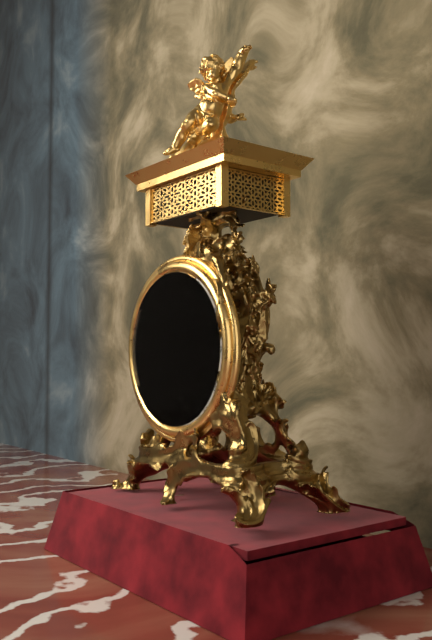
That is 11h39
